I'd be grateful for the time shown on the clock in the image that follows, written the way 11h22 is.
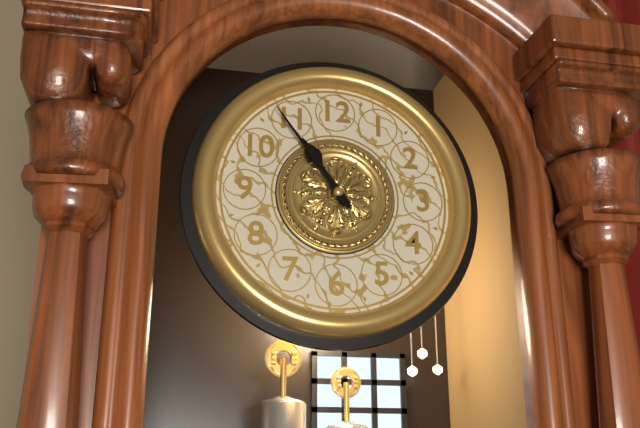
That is 10h54
